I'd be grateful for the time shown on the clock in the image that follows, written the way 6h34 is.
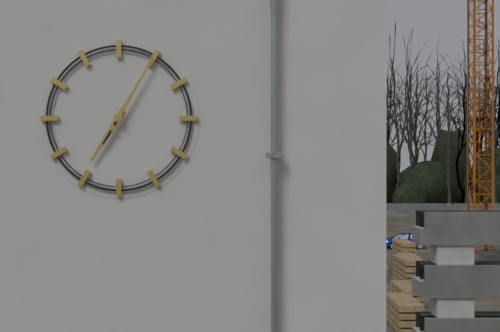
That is 7h05
